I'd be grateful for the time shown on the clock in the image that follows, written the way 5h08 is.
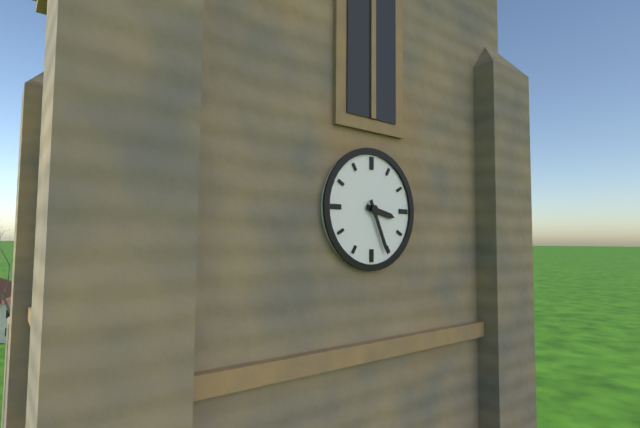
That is 3h26
